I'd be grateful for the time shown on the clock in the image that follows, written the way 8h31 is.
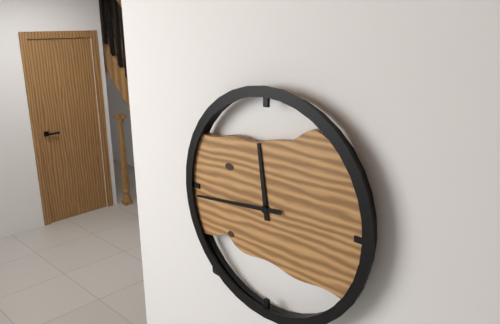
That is 11h44
